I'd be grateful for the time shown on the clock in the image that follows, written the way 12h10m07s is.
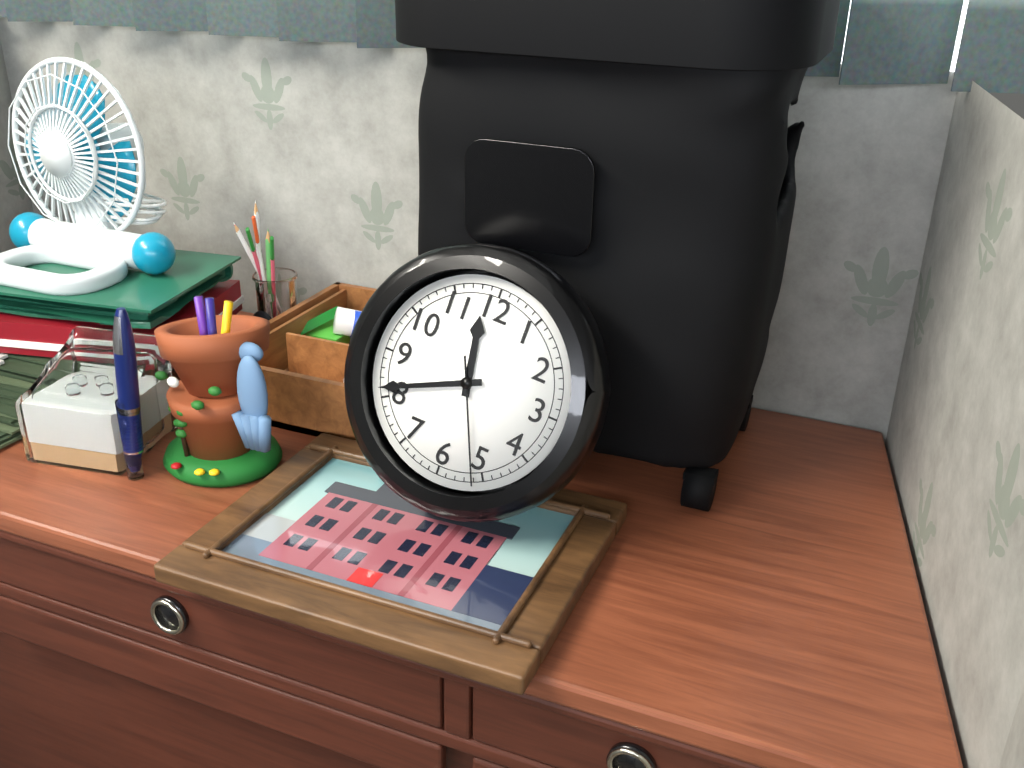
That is 11h41m26s
